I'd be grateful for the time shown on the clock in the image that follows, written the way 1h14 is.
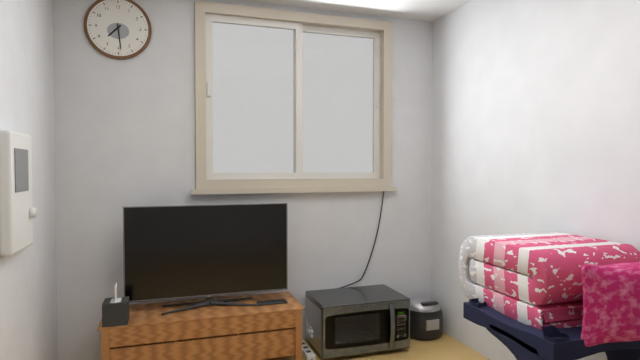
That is 7h29
